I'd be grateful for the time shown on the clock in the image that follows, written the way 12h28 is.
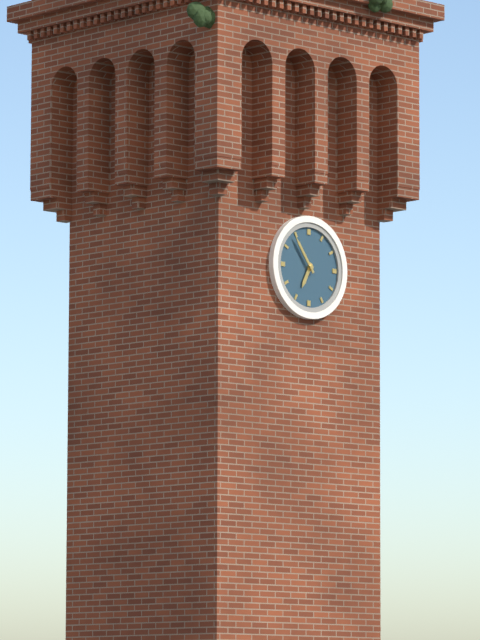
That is 6h54
